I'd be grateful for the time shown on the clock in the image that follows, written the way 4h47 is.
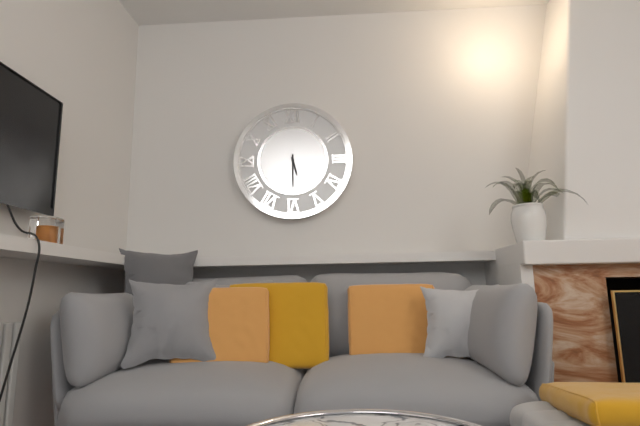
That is 5h30
